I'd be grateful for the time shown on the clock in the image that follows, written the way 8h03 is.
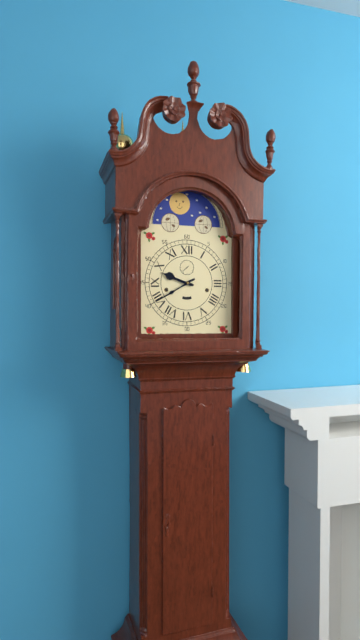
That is 9h40
